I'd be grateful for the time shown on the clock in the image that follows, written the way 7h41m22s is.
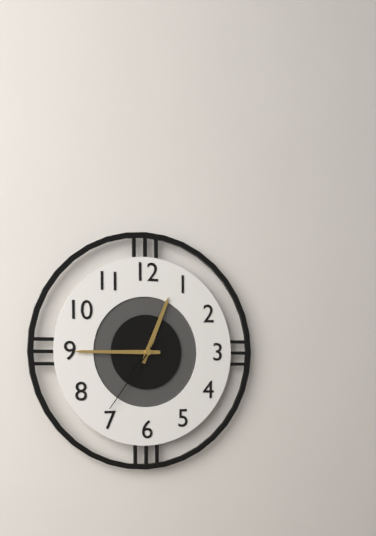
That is 12h45m36s
